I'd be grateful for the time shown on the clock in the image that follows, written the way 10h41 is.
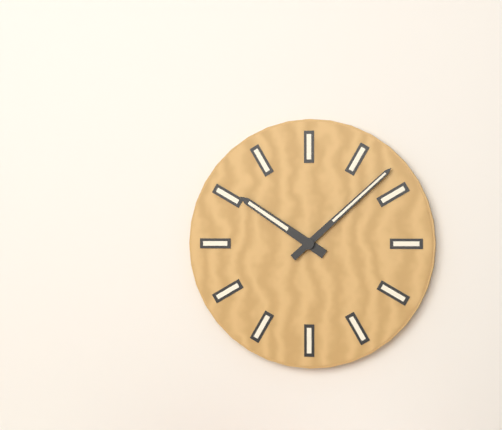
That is 10h08
